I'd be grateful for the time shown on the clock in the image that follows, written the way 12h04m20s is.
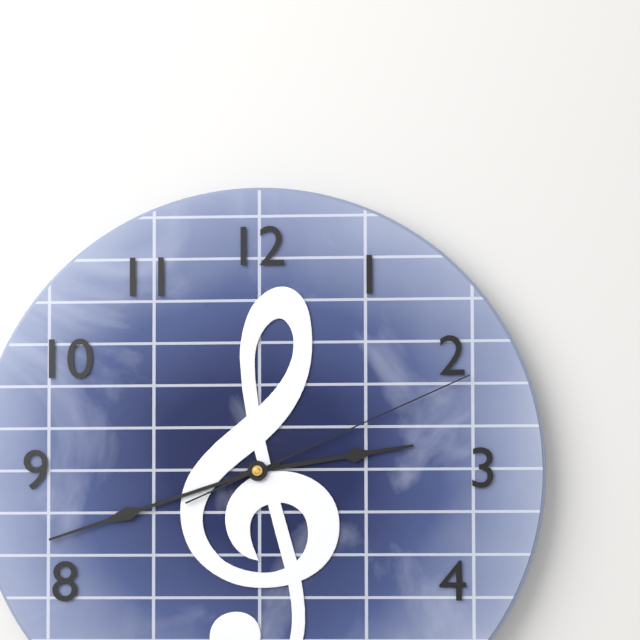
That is 2h42m11s
